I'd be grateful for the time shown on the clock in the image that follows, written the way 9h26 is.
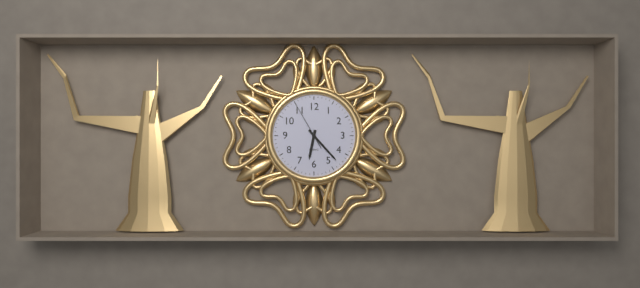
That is 6h23
